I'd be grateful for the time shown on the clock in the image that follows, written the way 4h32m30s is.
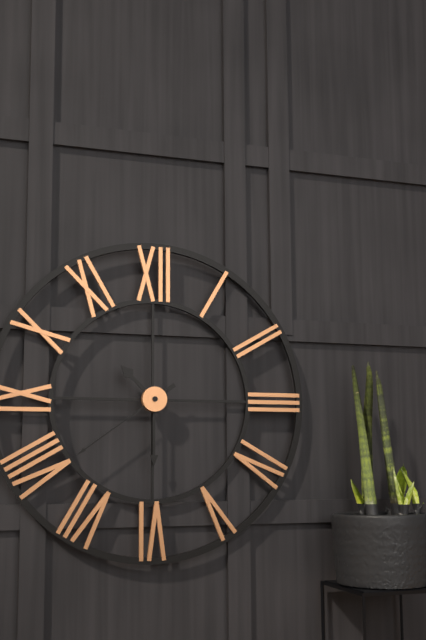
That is 10h30m39s
